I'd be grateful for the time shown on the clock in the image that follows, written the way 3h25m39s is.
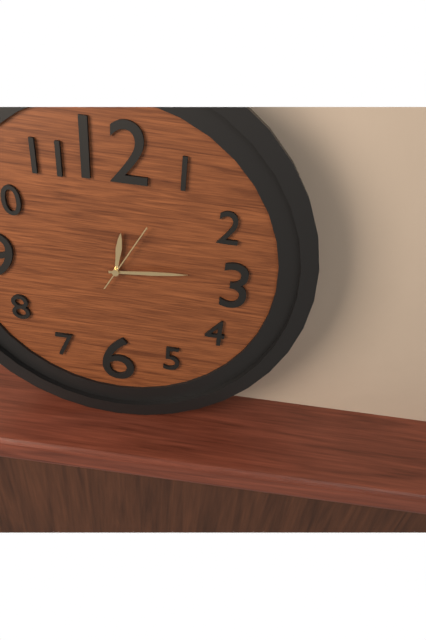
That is 12h14m05s
